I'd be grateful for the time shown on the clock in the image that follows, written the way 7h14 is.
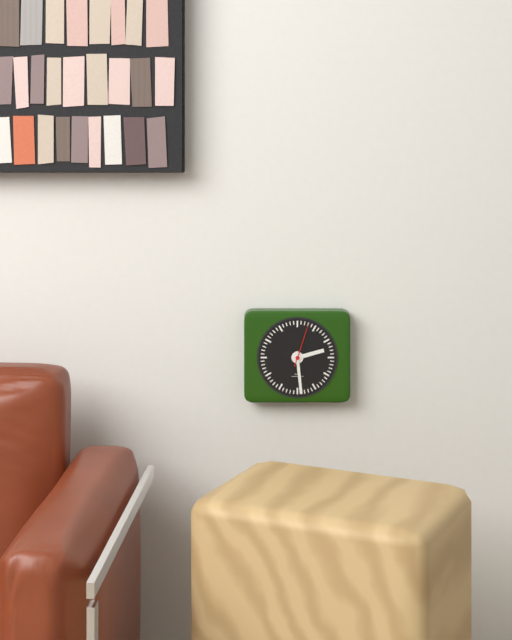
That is 2h29
